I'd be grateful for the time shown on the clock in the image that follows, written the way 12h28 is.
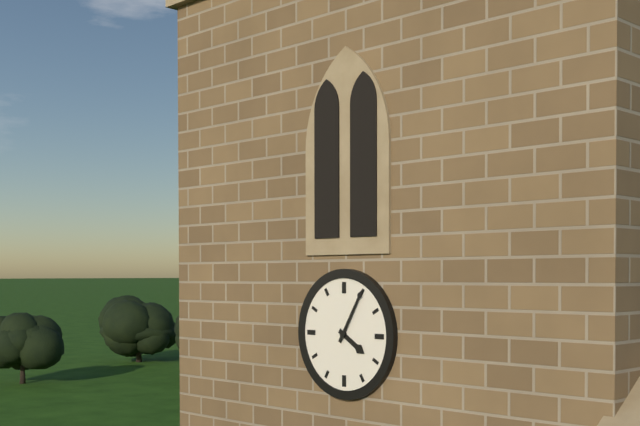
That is 4h05
